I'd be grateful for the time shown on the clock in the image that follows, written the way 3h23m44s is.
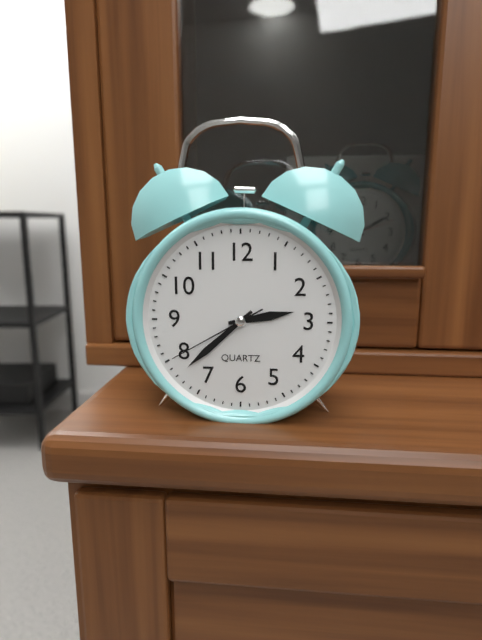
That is 2h38m40s
